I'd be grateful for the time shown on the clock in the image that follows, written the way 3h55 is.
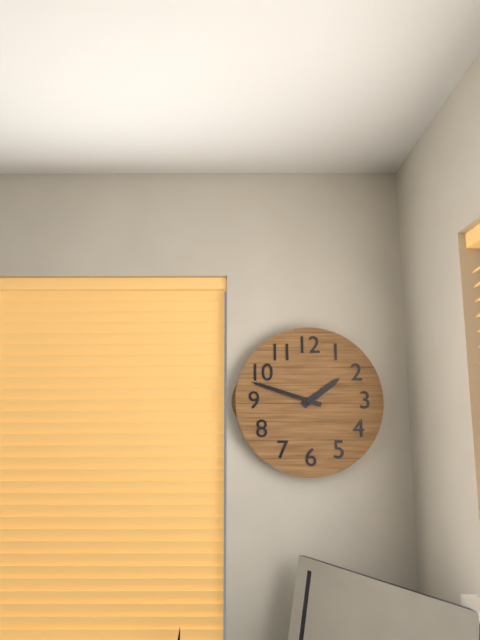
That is 1h48
